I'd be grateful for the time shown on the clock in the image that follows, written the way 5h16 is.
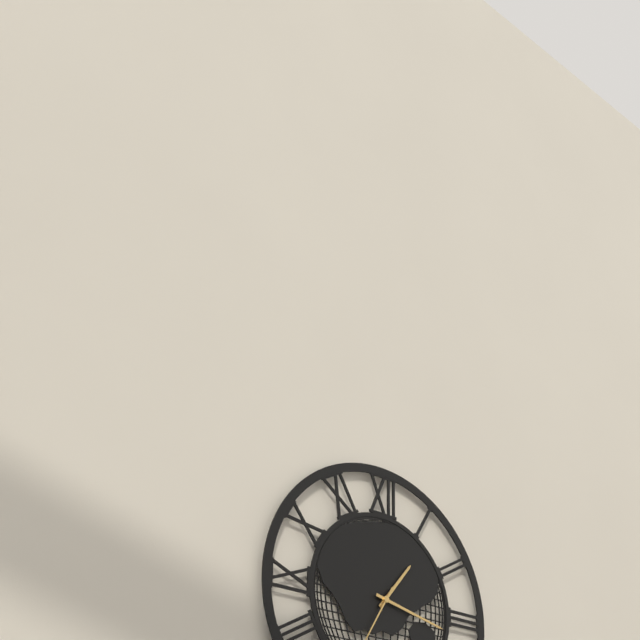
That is 1h17
